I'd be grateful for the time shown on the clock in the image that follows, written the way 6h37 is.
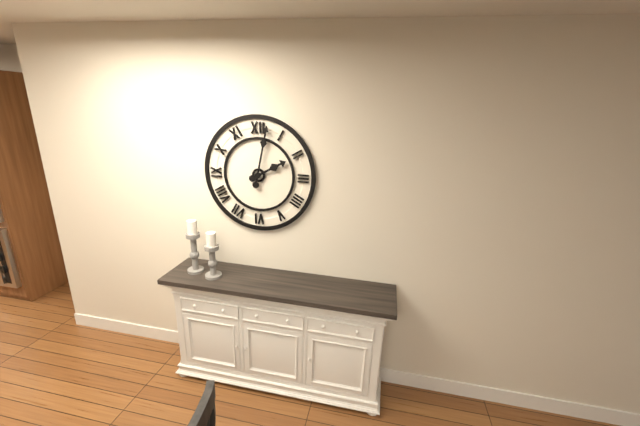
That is 2h02
